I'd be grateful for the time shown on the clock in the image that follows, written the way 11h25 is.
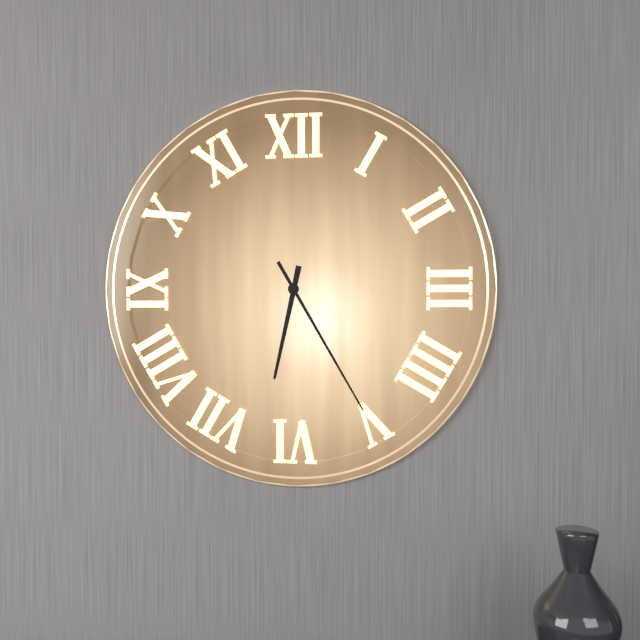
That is 6h25
